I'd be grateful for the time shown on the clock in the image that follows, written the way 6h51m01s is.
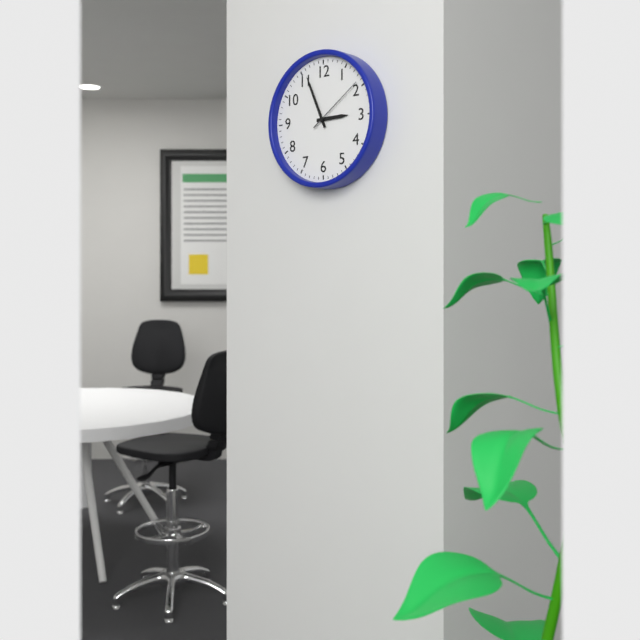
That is 2h56m09s
